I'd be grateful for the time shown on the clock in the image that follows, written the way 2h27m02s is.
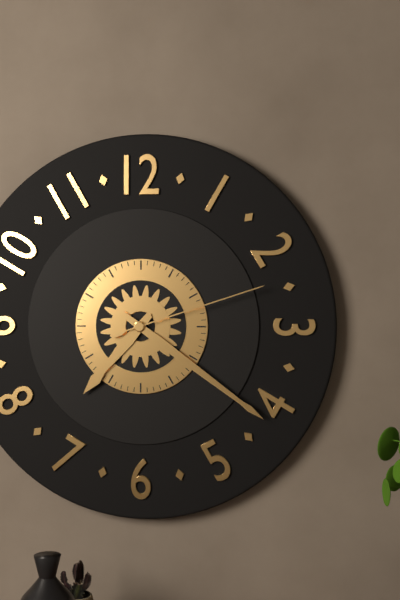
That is 7h21m12s
